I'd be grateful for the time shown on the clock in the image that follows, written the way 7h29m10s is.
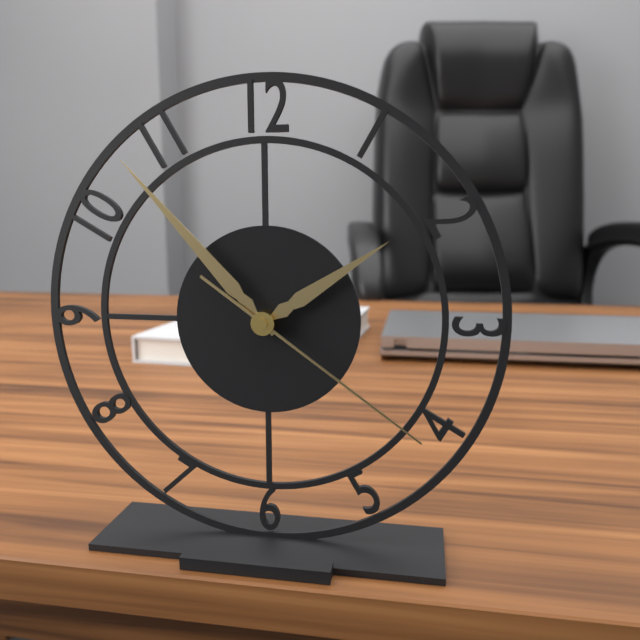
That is 1h53m21s
